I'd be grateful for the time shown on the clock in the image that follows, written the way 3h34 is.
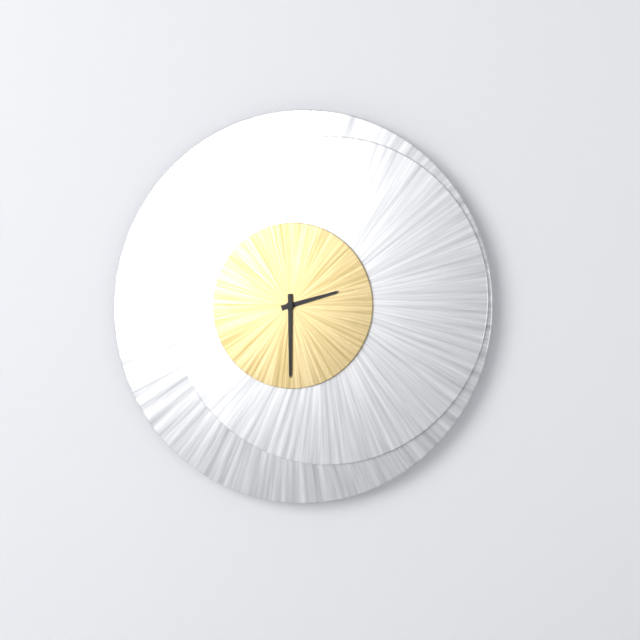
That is 2h30
